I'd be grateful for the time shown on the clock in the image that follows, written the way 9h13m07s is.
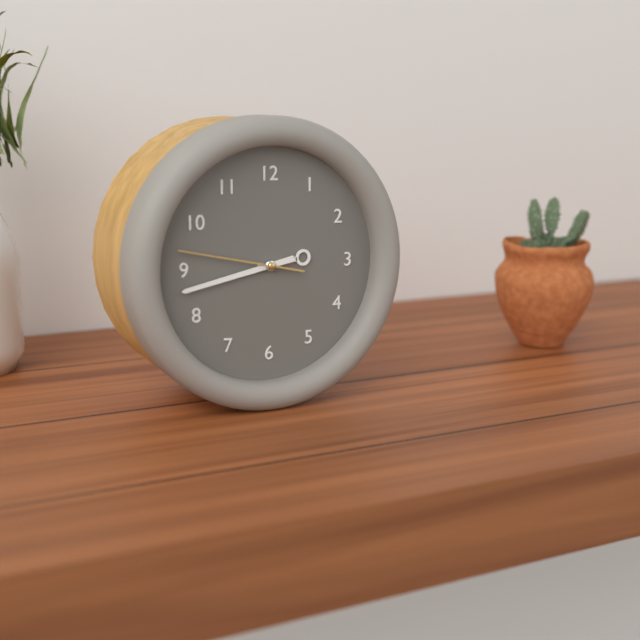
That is 2h43m47s
